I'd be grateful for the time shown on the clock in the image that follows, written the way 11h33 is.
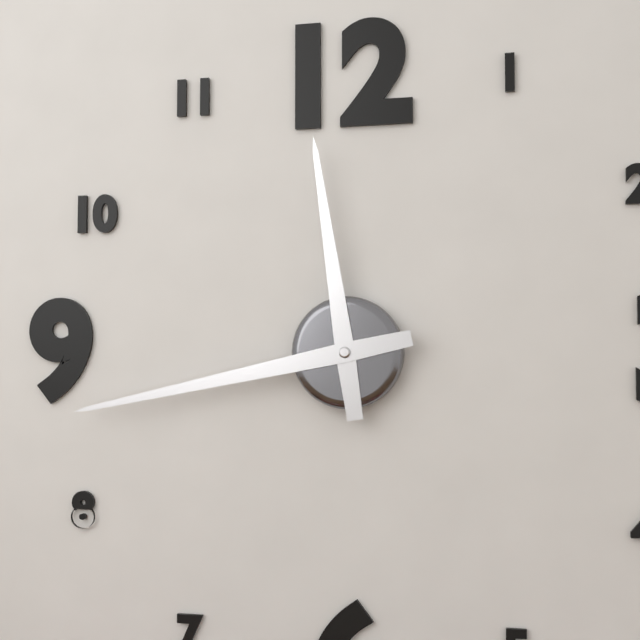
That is 11h43
